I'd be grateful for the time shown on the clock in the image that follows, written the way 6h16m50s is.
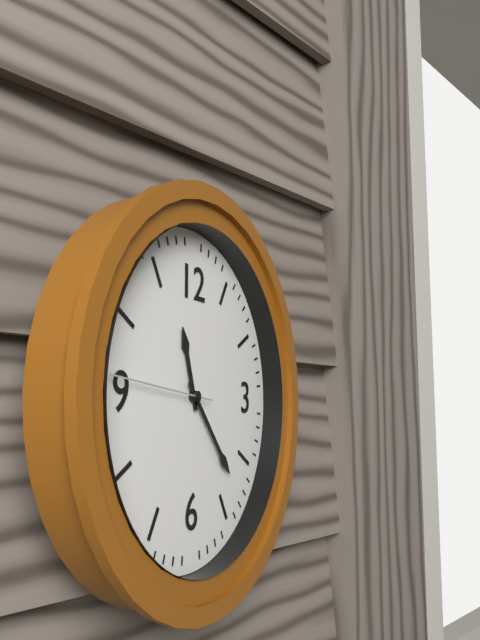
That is 11h23m46s
